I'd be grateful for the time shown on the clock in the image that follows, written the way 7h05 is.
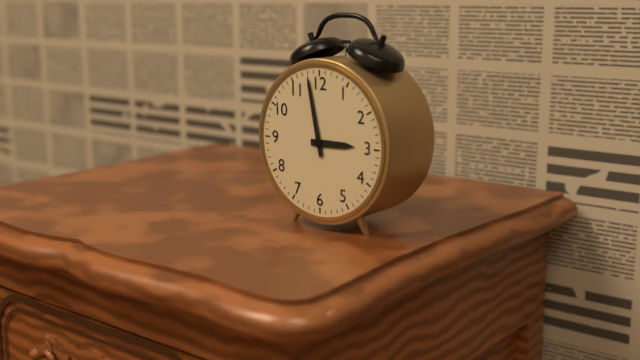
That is 2h58
